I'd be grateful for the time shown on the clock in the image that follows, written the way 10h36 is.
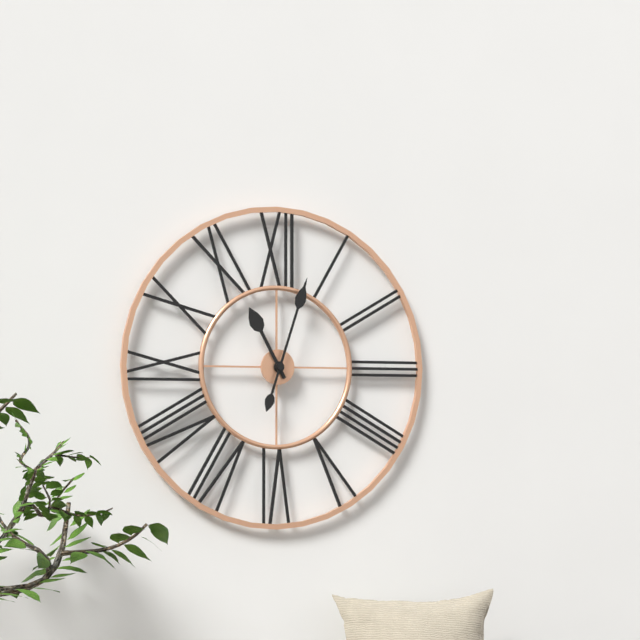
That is 11h03
